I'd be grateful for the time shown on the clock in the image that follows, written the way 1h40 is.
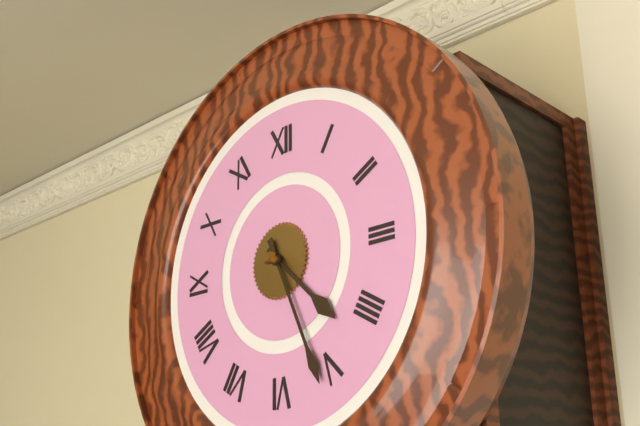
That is 4h26
